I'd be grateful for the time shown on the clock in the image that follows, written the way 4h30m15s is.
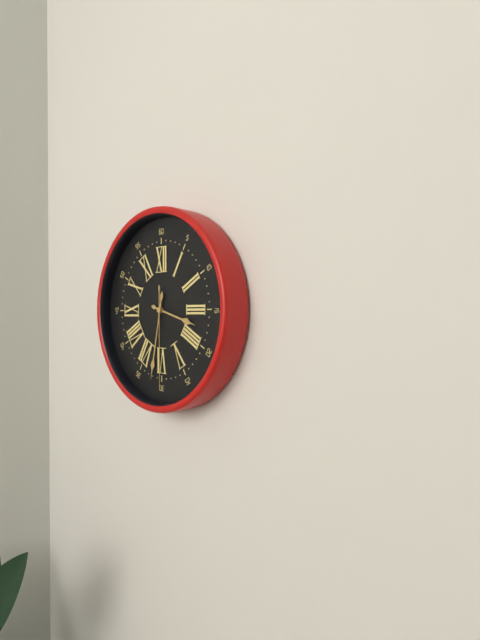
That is 3h32m30s
